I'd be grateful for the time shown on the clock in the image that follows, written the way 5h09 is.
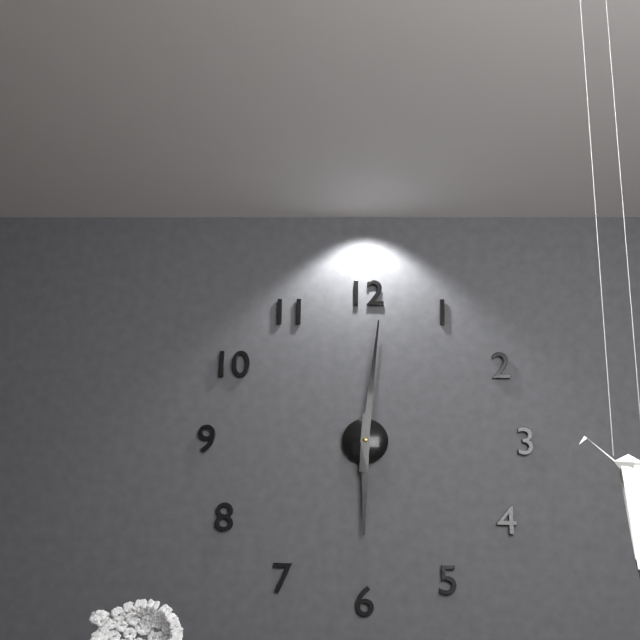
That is 6h01
